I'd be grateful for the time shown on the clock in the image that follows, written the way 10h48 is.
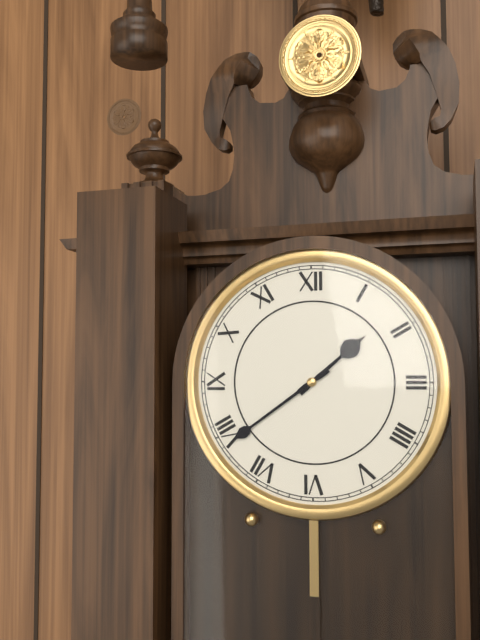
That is 1h39
